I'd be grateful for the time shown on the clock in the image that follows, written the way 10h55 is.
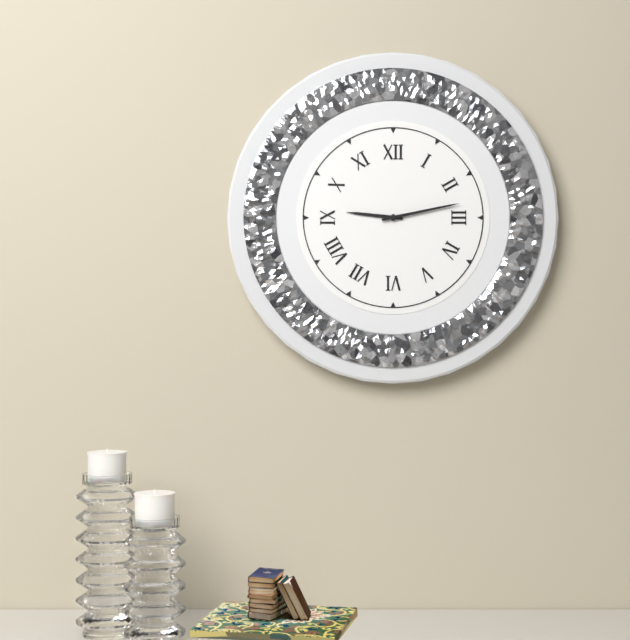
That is 9h13
